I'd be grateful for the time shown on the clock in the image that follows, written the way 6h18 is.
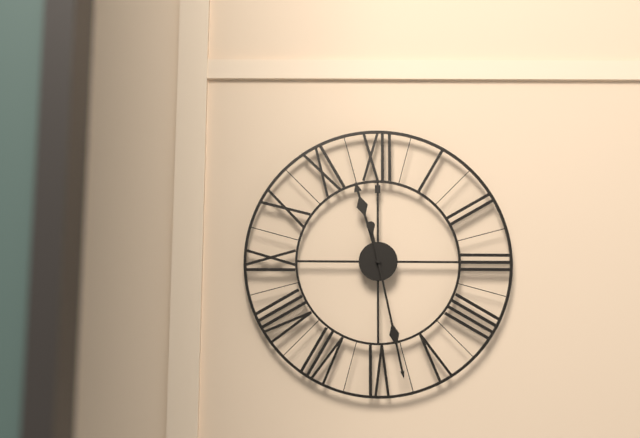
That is 11h28
